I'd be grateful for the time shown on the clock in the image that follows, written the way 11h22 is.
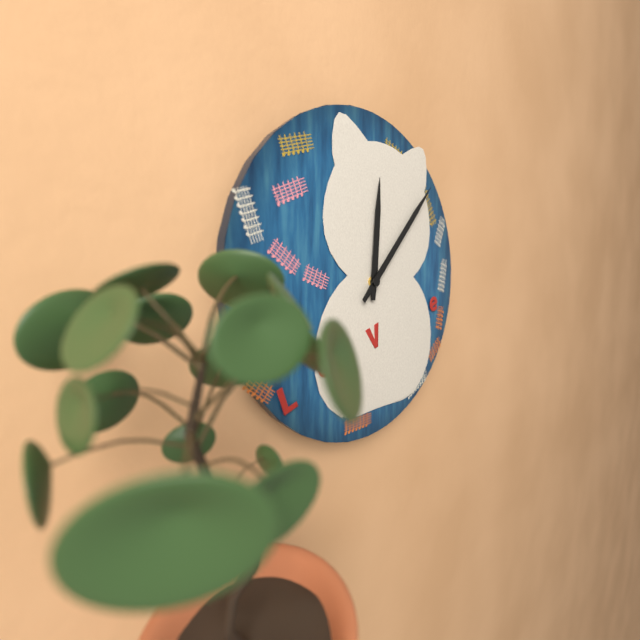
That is 12h07
